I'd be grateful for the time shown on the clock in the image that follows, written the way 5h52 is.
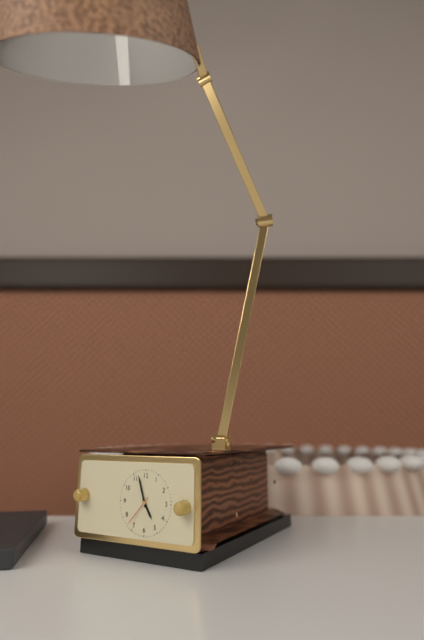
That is 4h57
